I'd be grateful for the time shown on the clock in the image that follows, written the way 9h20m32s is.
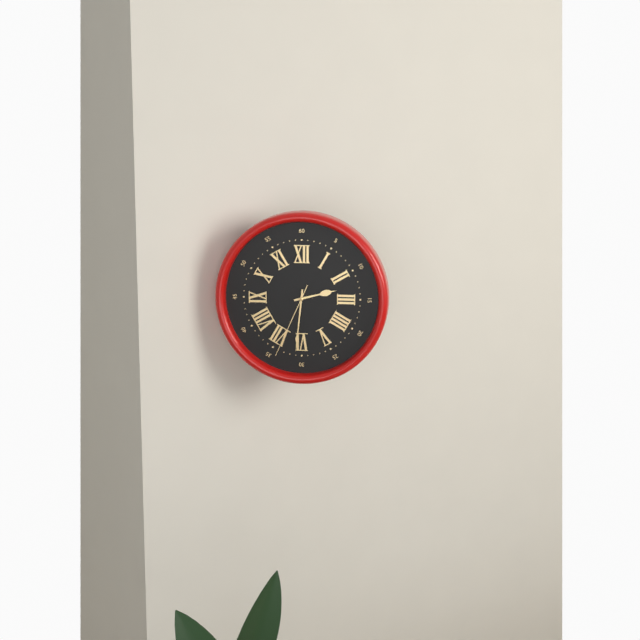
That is 2h31m34s
